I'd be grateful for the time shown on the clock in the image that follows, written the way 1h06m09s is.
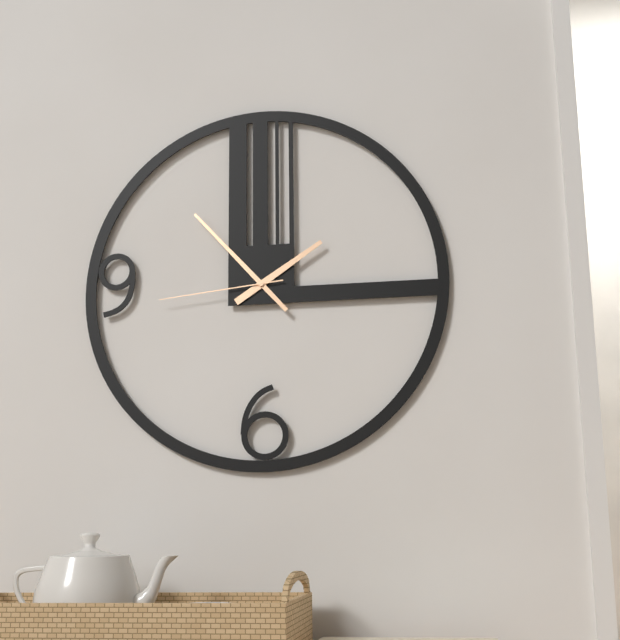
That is 1h53m44s
